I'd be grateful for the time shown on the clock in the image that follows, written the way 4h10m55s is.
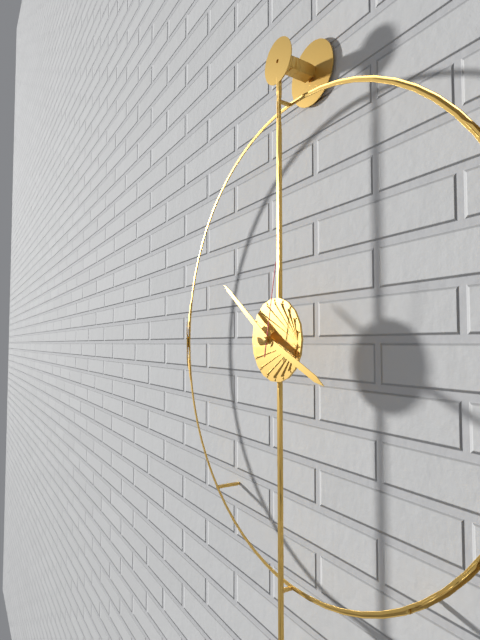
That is 3h51m02s
